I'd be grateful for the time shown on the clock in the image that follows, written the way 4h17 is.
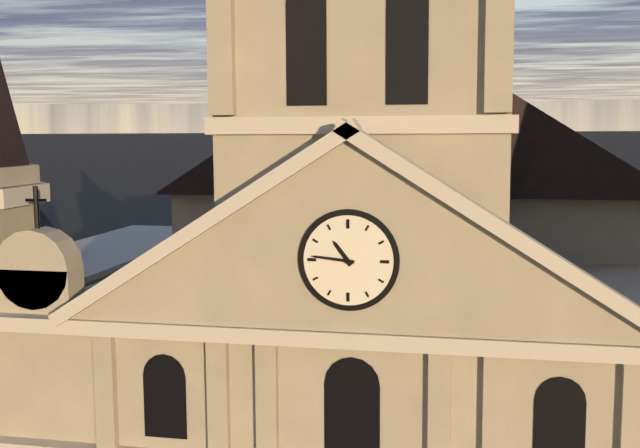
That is 10h46
